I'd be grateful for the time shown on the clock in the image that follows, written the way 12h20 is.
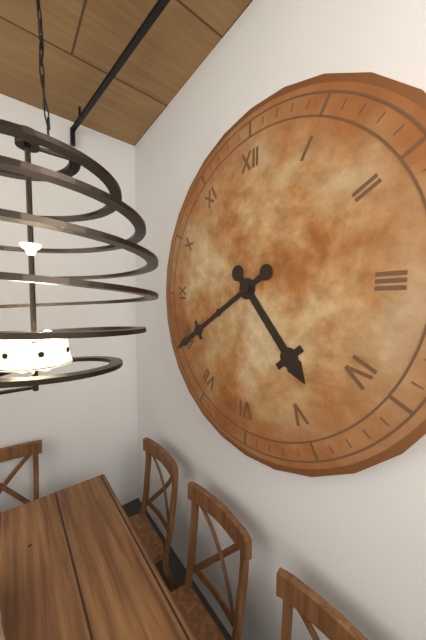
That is 4h40
